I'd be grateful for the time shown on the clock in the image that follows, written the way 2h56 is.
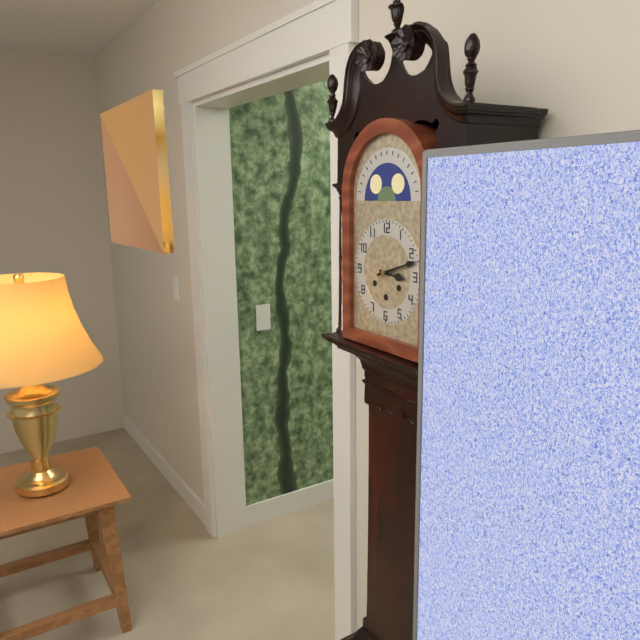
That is 3h12
